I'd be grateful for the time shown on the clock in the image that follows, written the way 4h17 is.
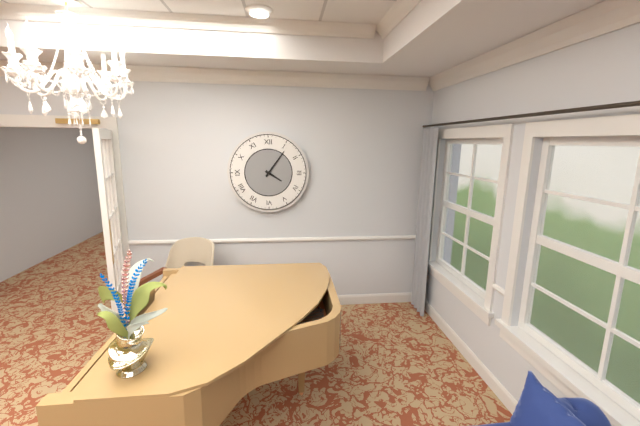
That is 4h06
